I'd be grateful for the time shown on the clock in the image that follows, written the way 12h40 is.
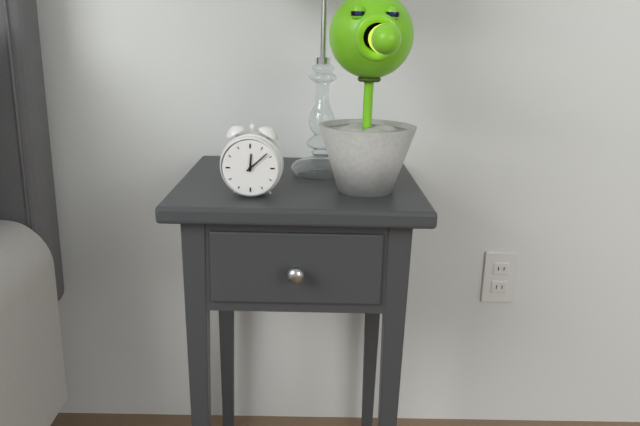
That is 12h08
